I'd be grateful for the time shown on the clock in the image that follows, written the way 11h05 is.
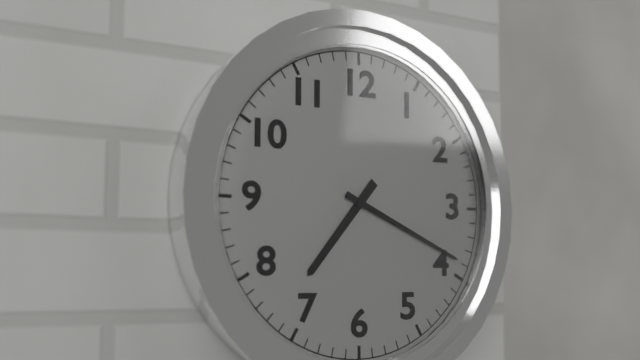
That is 7h19
